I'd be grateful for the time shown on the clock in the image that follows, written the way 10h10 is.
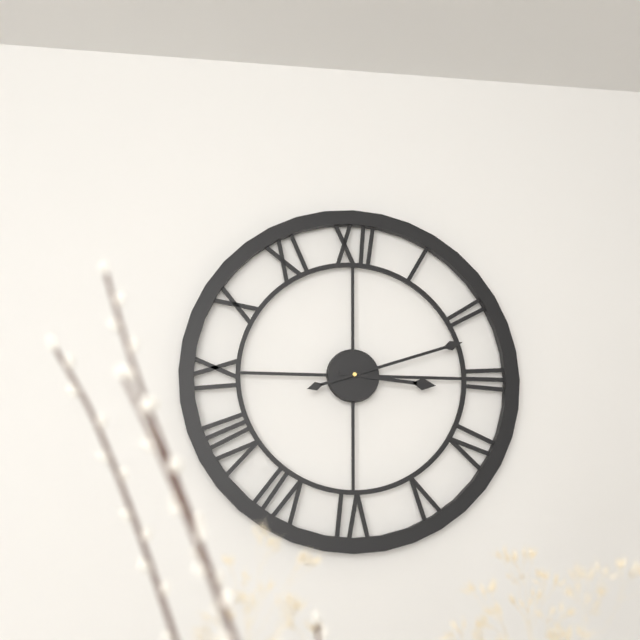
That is 3h12
